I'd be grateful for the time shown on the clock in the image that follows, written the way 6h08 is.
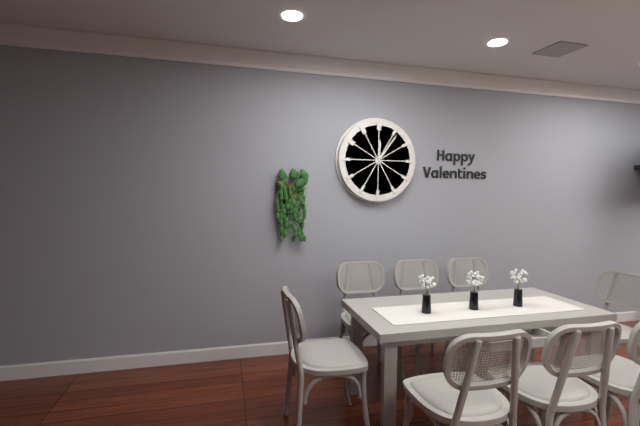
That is 12h06
